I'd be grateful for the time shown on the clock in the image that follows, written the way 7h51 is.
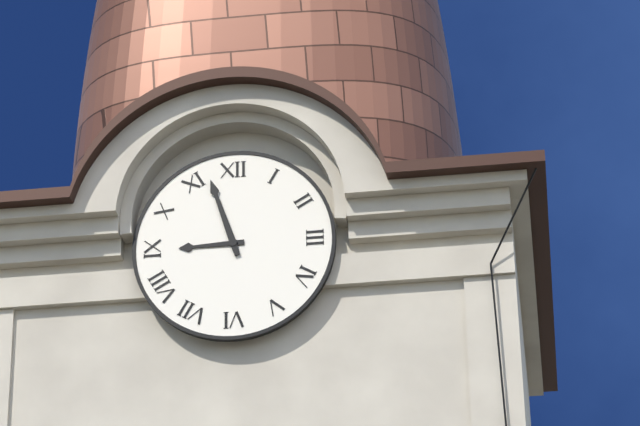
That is 8h57
